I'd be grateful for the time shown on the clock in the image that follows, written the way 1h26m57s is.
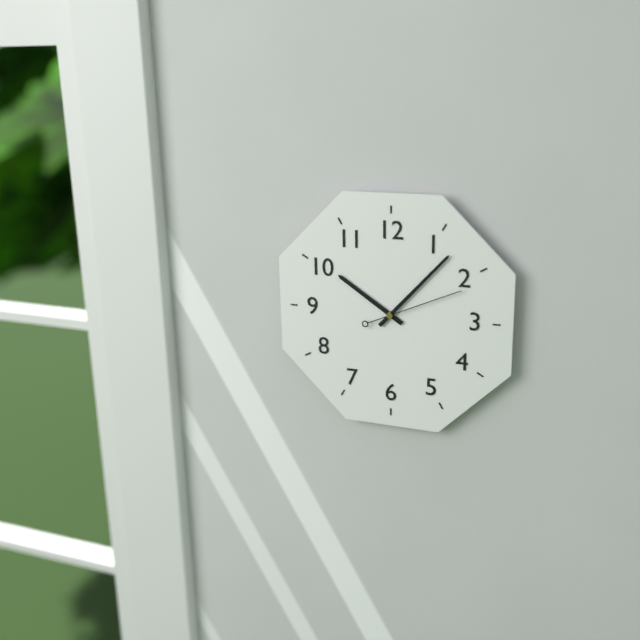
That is 10h07m11s
